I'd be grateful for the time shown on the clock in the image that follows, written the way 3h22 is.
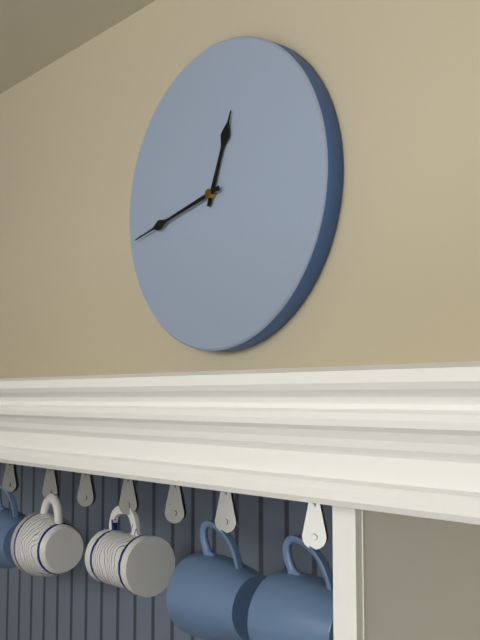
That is 12h43
